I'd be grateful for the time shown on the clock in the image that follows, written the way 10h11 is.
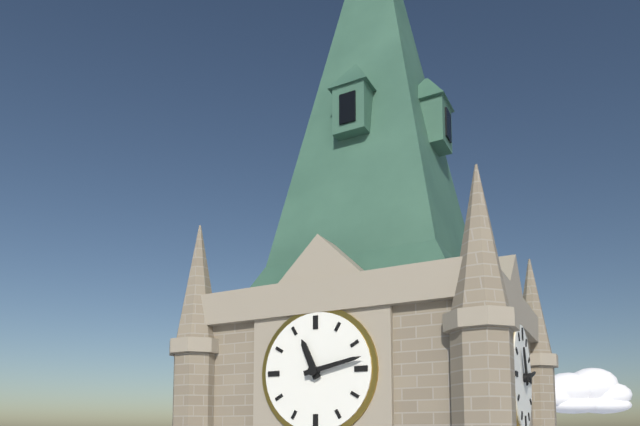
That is 11h13
